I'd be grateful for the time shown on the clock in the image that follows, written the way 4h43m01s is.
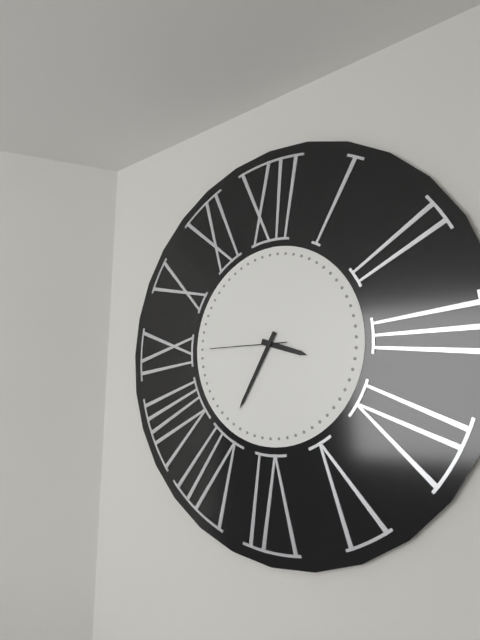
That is 3h35m45s
